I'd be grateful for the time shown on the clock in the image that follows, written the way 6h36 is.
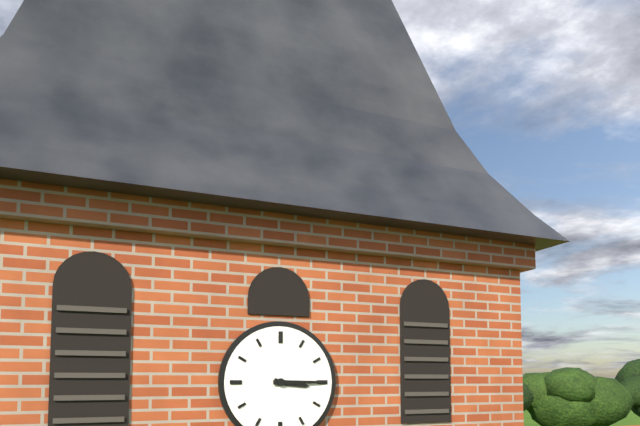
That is 3h15
